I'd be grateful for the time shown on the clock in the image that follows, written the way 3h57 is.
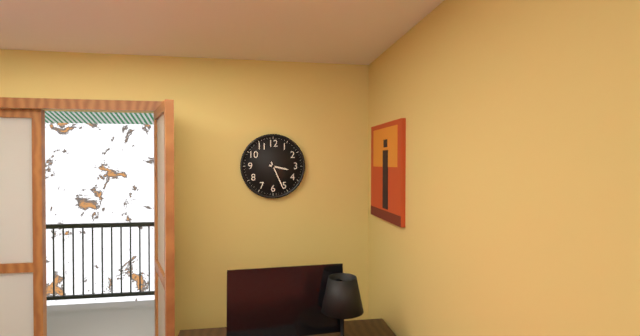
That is 3h26
